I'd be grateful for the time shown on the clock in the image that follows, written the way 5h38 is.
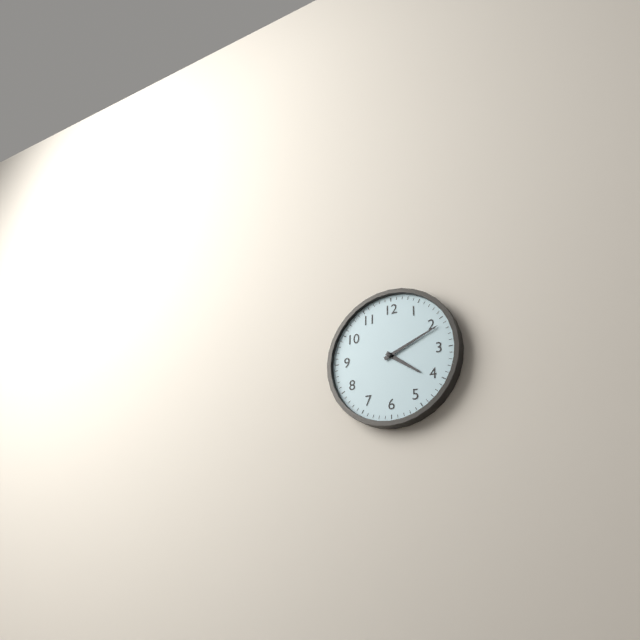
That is 4h11
